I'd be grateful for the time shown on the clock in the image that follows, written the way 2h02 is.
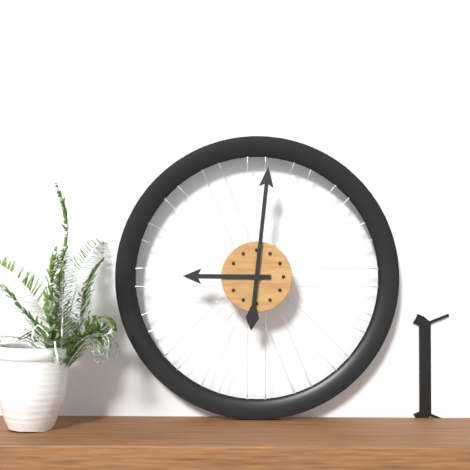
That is 9h01
